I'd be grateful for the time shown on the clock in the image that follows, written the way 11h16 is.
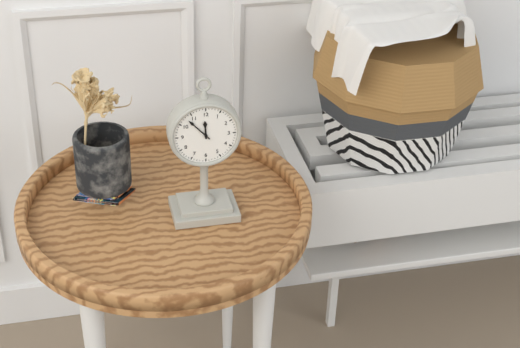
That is 11h53
